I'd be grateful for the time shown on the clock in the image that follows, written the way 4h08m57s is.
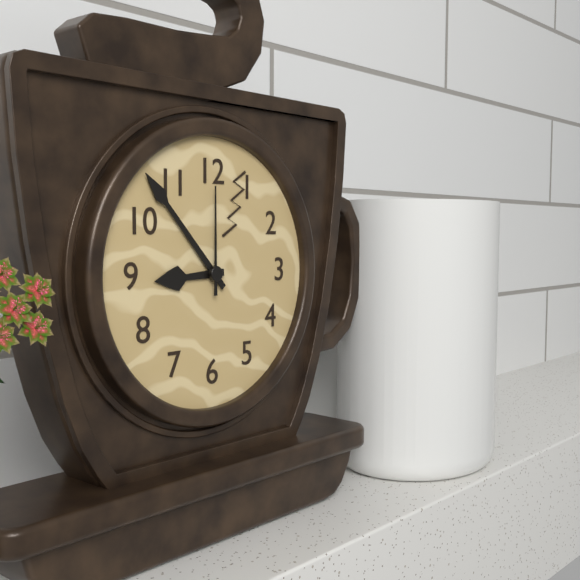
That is 8h53m00s
